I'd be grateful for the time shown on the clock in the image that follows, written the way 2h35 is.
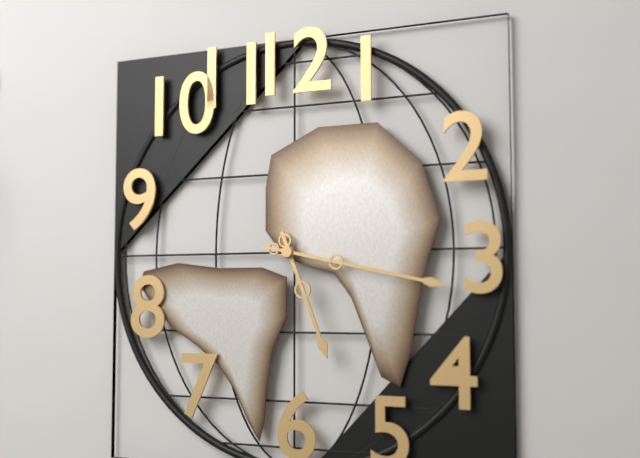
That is 5h17
